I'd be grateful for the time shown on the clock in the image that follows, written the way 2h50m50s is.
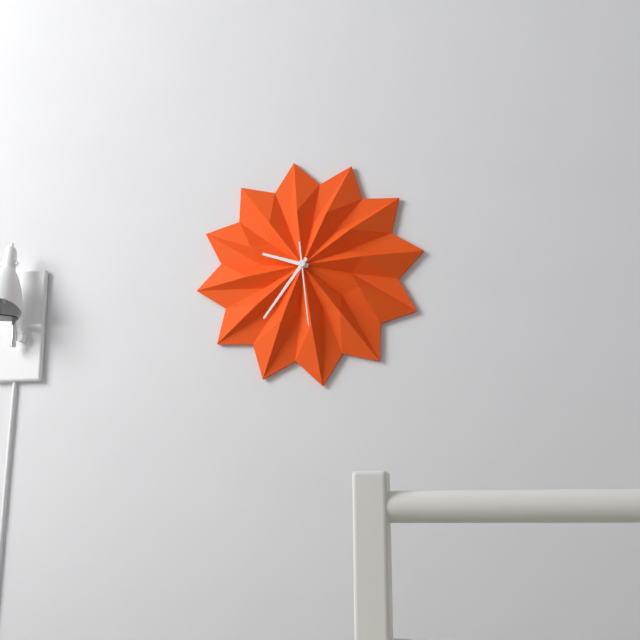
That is 9h36m29s
